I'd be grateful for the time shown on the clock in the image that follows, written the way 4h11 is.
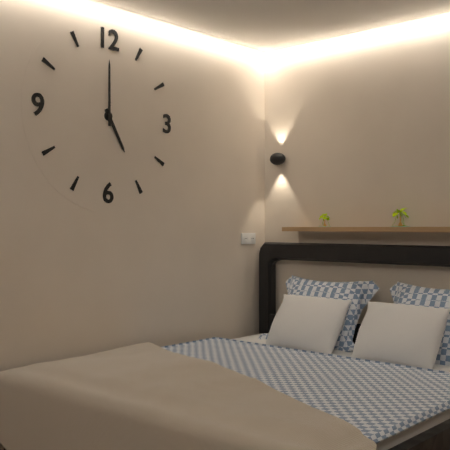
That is 5h00
